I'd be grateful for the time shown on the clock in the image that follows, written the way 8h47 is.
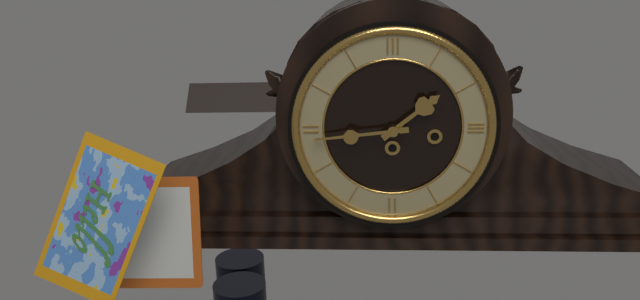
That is 1h44
